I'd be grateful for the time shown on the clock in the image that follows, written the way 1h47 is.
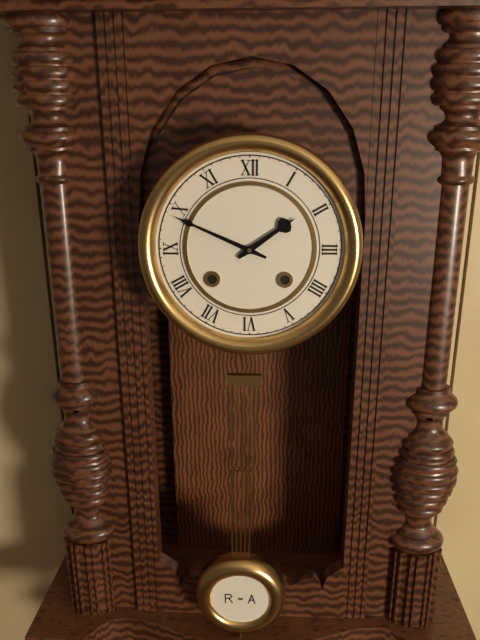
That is 1h49
